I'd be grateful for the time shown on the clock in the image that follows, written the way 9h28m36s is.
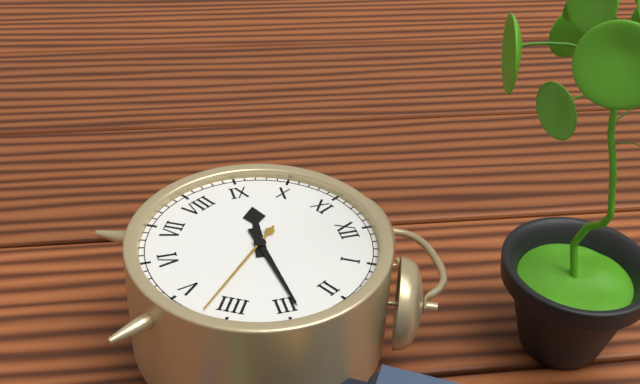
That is 9h14m22s
